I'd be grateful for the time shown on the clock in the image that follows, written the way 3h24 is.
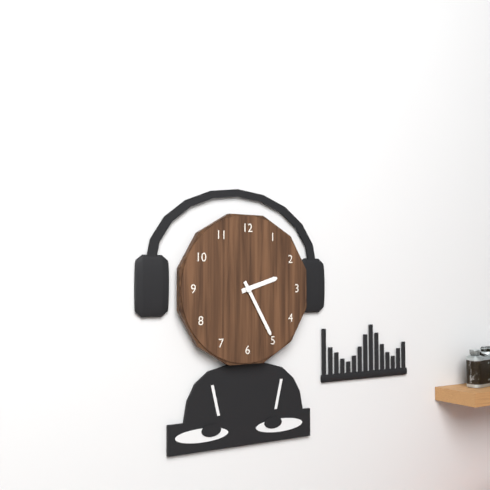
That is 2h25
